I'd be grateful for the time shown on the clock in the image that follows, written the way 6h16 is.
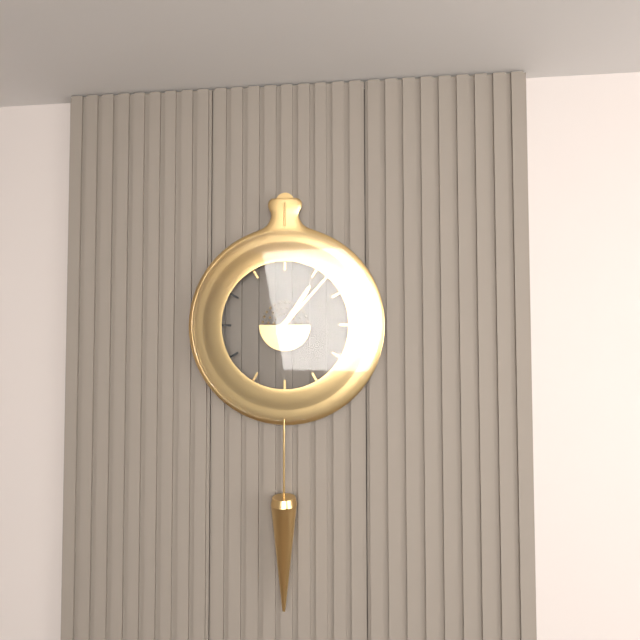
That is 1h07
